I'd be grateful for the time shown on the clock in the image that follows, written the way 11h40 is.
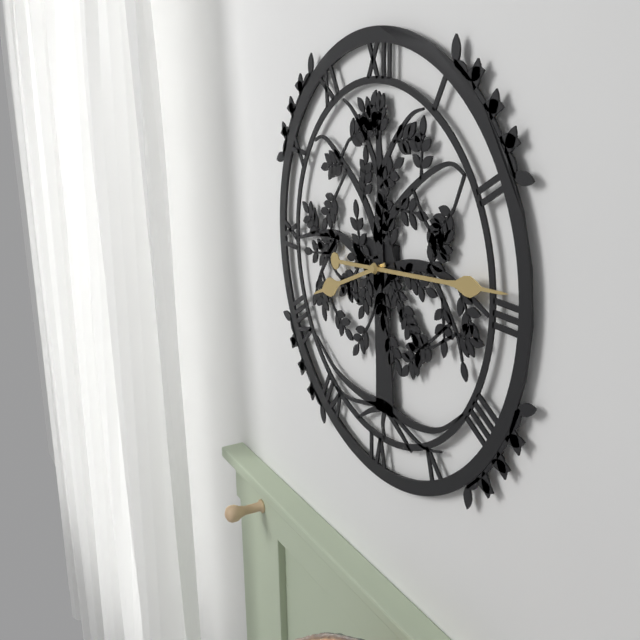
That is 8h14
